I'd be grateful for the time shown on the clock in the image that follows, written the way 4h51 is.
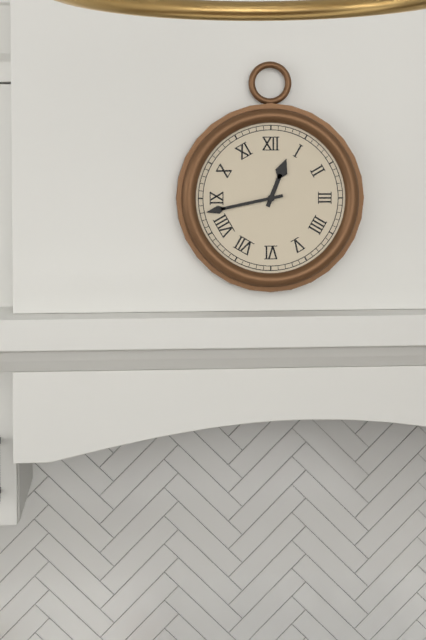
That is 12h43
